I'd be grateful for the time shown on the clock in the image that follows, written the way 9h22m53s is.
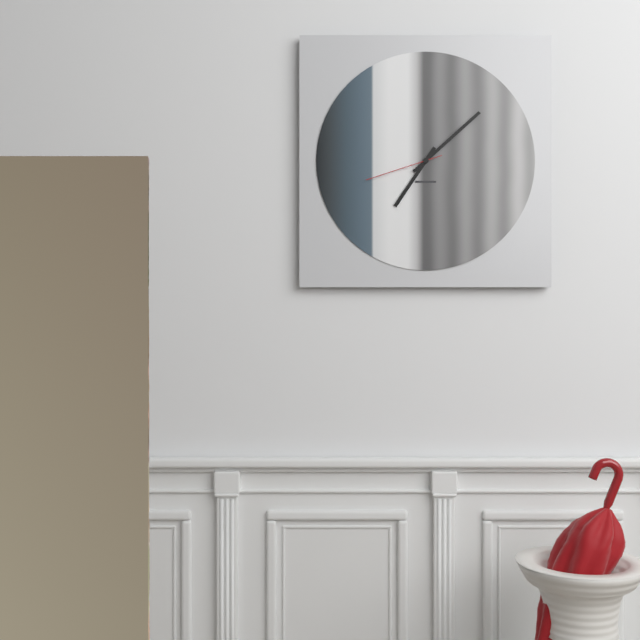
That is 7h08m42s
